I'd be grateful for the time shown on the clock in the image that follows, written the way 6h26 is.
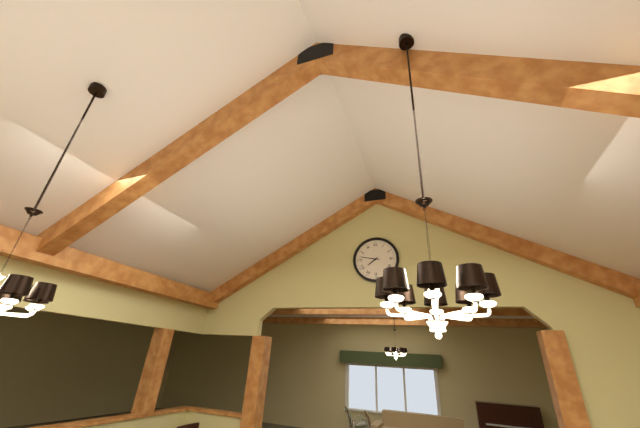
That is 7h47
